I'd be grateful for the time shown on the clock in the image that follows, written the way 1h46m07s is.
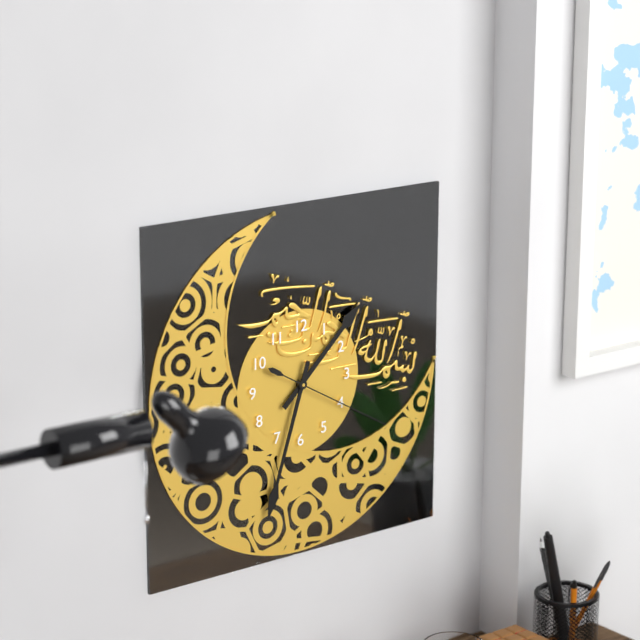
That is 1h33m20s
